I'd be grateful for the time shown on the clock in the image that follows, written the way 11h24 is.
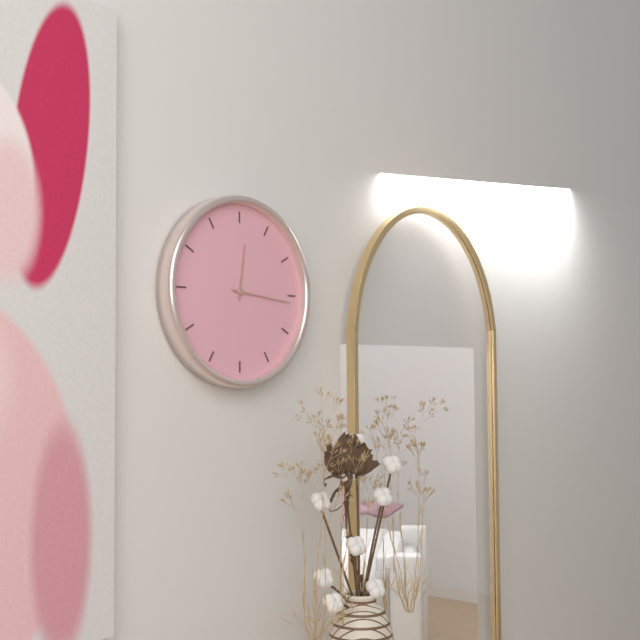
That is 12h16
